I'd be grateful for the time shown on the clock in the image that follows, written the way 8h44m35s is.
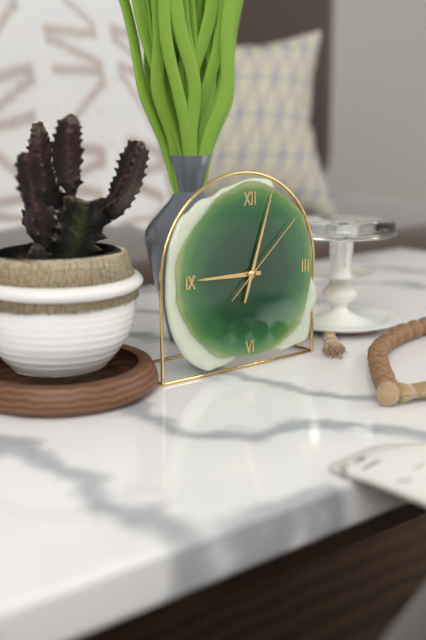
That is 9h03m08s
